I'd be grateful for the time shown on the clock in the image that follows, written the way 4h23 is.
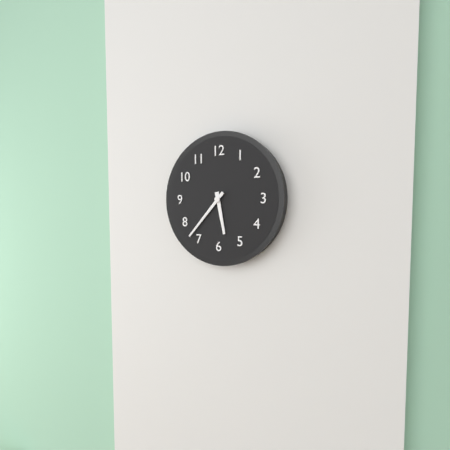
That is 5h37
